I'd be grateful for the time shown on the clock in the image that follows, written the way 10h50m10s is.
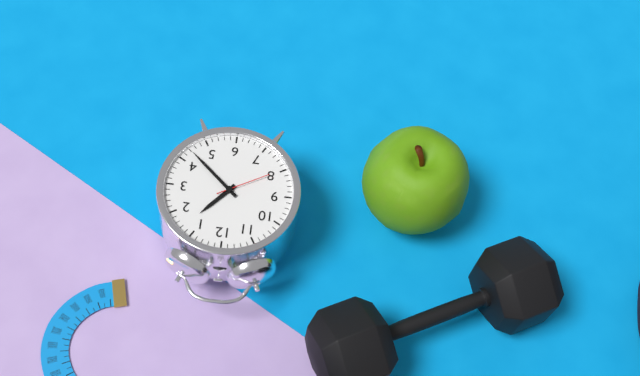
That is 1h22m40s
